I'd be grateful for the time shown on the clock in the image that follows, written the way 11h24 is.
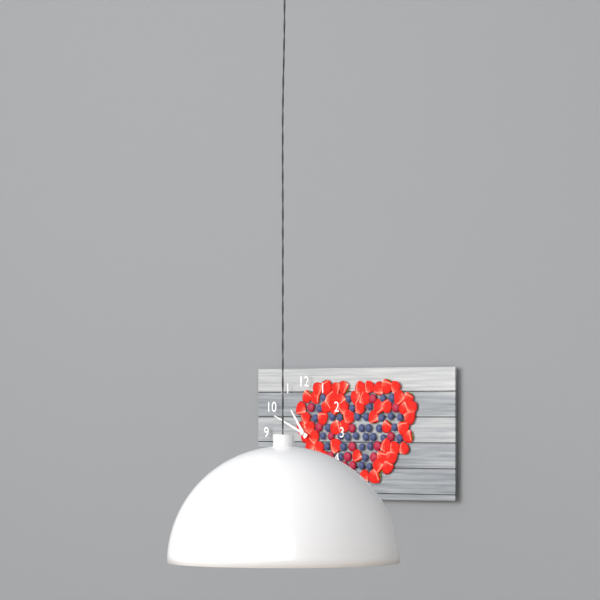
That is 10h49
